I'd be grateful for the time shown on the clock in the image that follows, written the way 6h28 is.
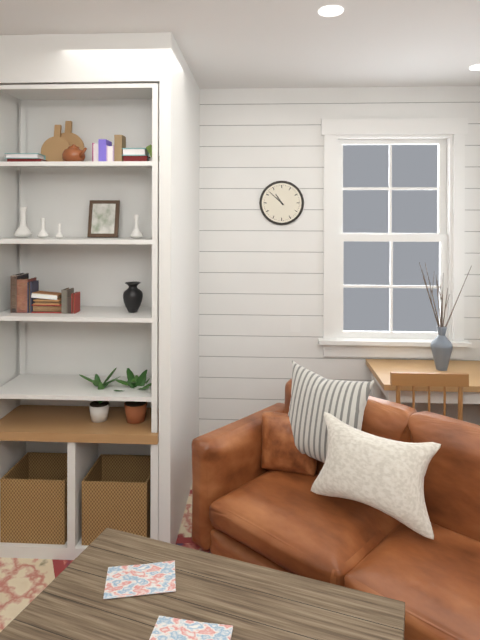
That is 10h52
